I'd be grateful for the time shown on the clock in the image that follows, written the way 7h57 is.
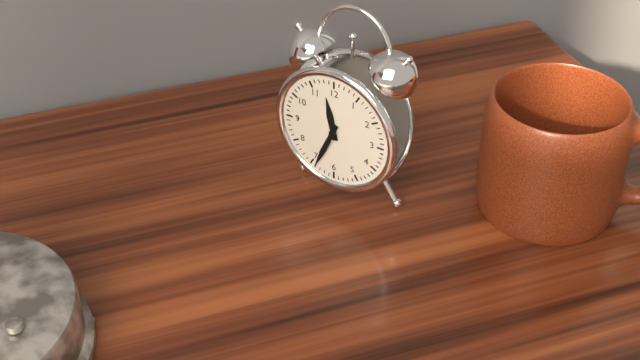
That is 11h34
